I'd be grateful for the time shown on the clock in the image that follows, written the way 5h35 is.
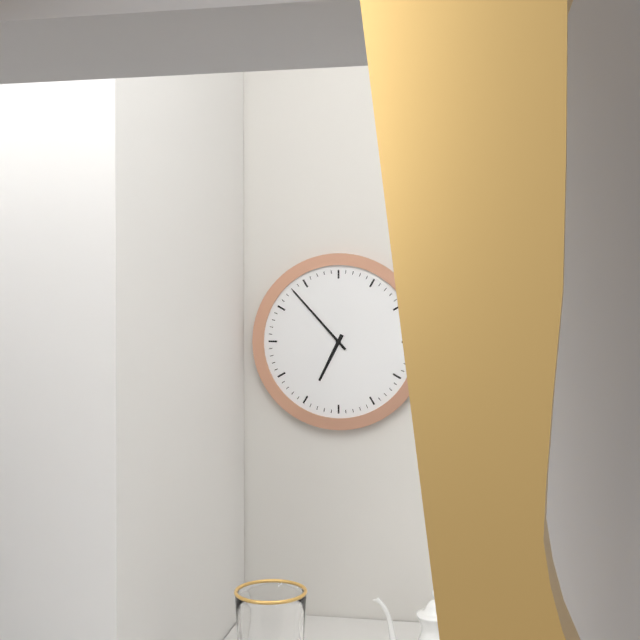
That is 6h53
